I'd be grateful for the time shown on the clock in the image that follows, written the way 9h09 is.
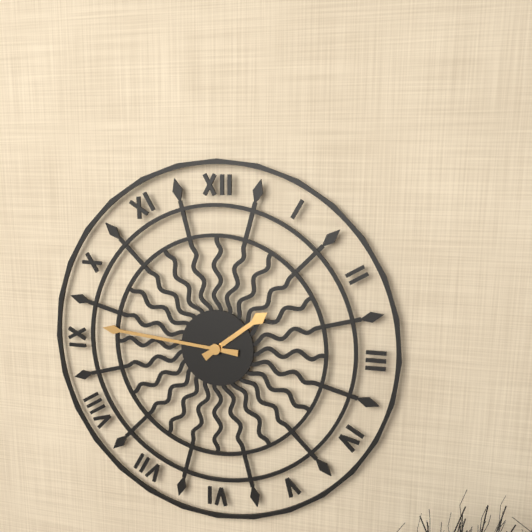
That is 1h46
